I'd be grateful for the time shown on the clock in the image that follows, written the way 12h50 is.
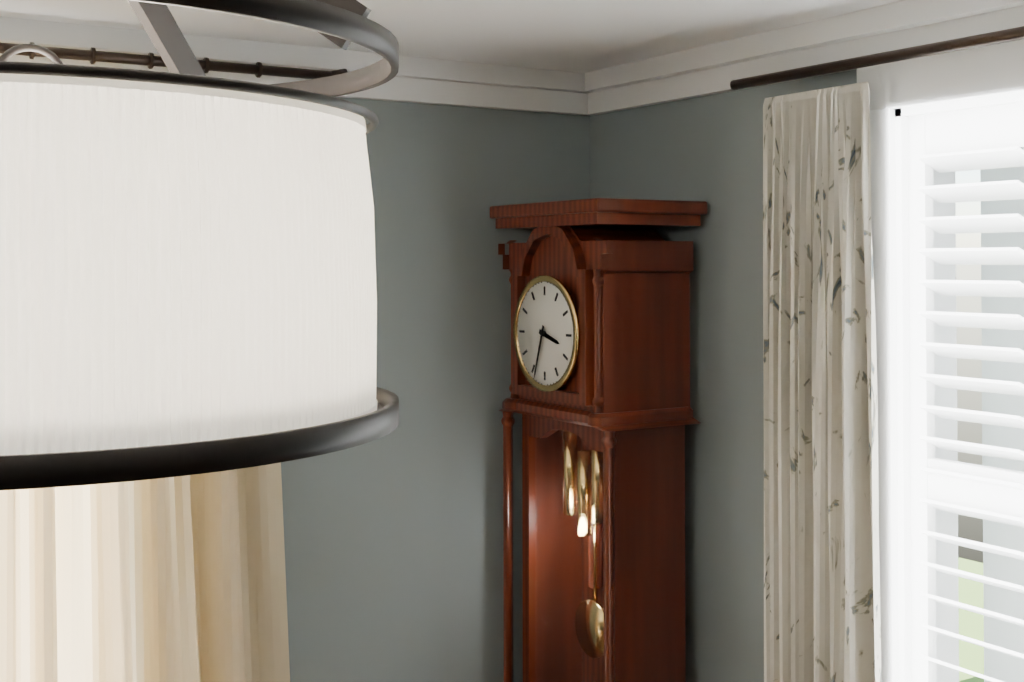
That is 3h33
